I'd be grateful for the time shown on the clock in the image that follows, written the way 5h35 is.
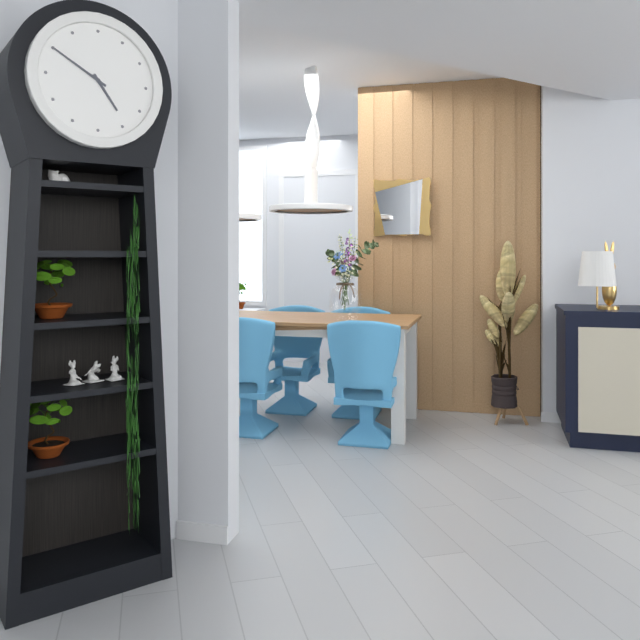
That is 4h50
